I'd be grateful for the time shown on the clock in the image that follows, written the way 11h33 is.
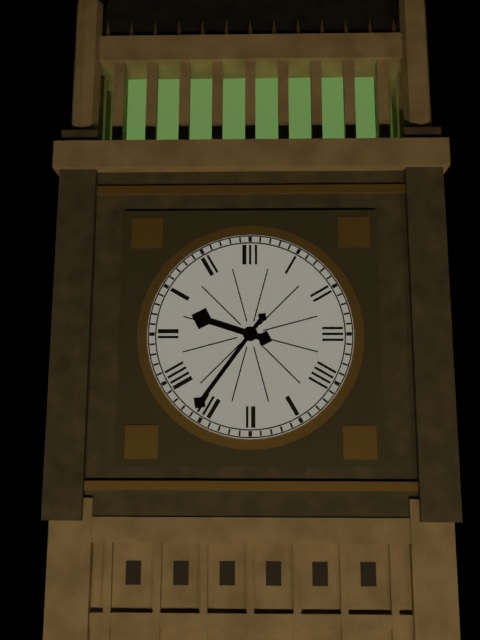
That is 9h36
